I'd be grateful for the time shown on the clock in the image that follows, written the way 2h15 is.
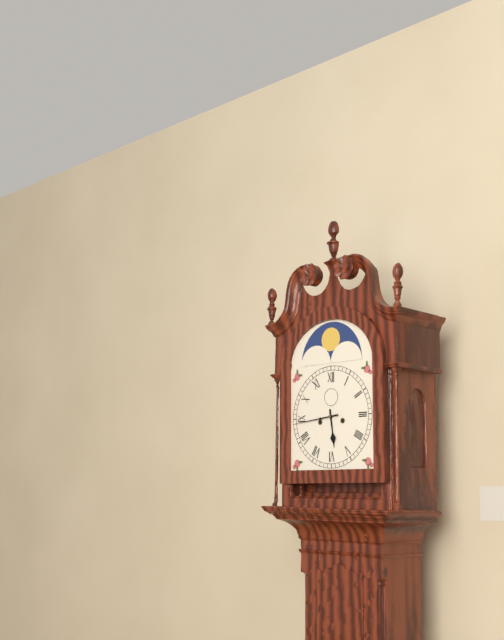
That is 5h44
